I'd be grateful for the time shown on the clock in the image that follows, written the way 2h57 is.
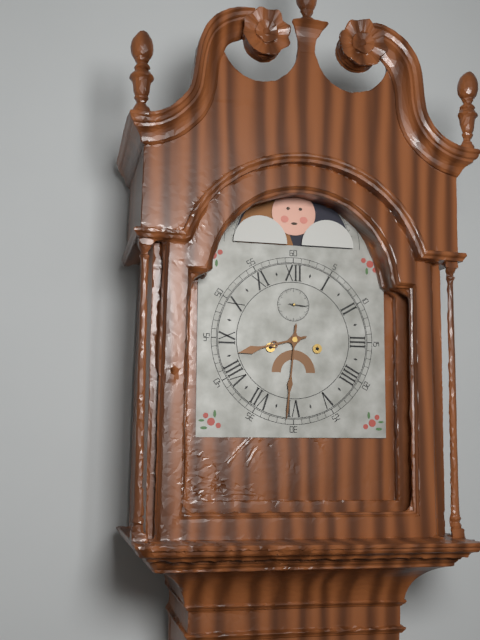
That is 8h31
